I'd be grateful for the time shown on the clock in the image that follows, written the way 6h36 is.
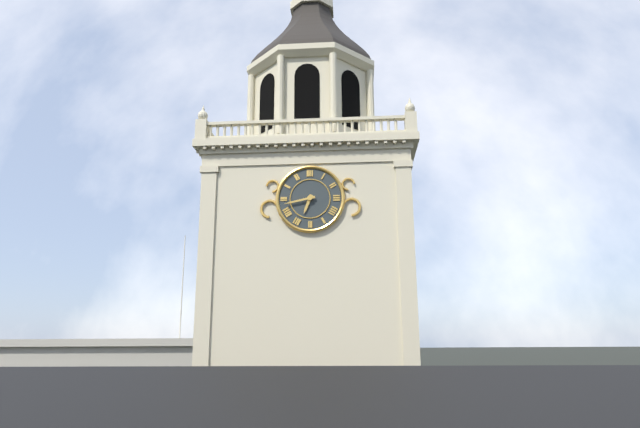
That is 6h43
